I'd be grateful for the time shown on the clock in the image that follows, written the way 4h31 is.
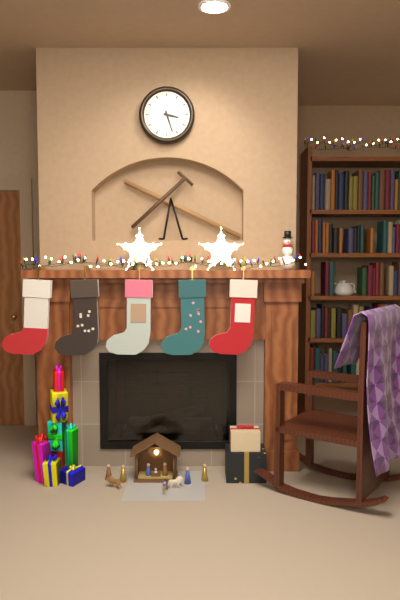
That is 3h27
